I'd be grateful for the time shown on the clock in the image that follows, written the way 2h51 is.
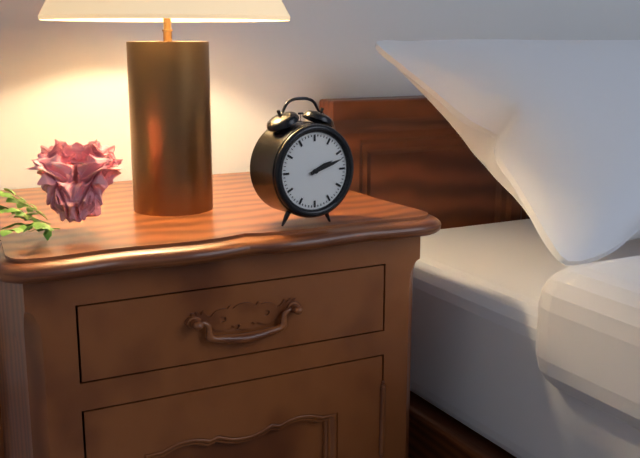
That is 2h12
